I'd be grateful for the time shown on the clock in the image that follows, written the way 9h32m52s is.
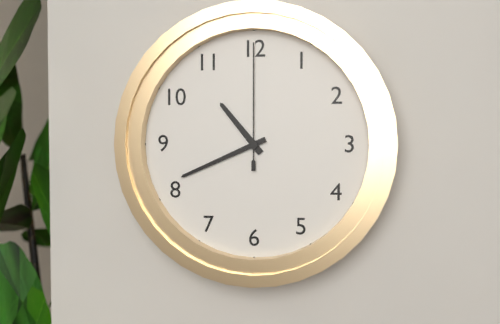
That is 10h41m00s
